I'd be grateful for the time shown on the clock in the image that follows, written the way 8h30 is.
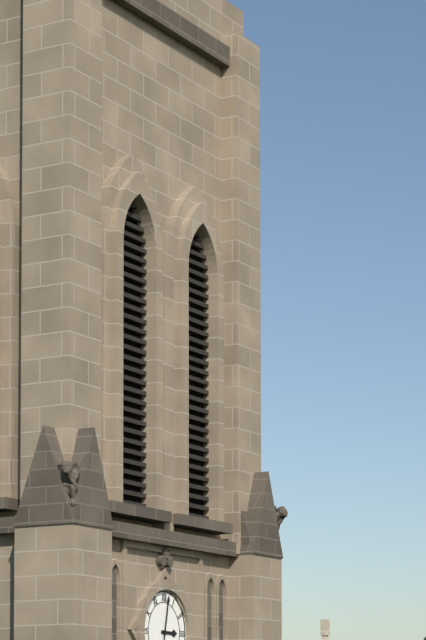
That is 3h02
